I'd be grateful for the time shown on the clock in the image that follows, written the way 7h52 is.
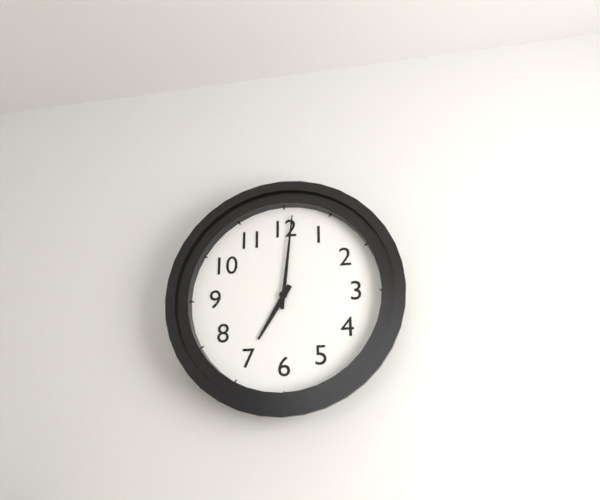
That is 7h01
